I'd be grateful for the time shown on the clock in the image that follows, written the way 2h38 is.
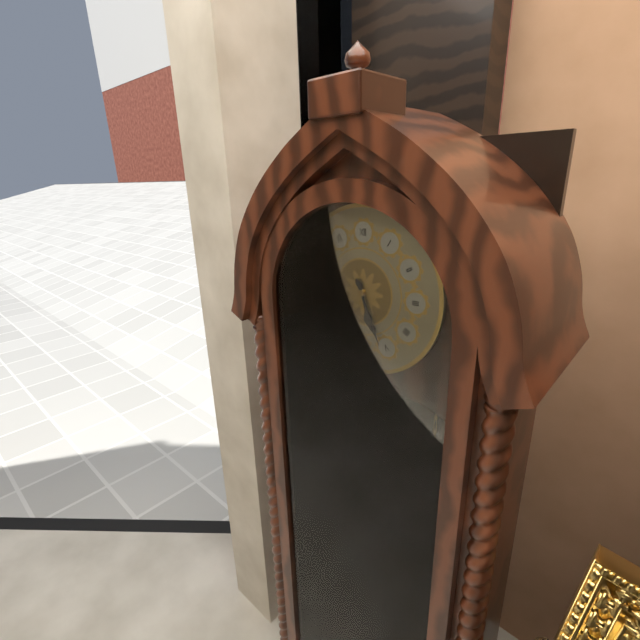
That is 5h26
